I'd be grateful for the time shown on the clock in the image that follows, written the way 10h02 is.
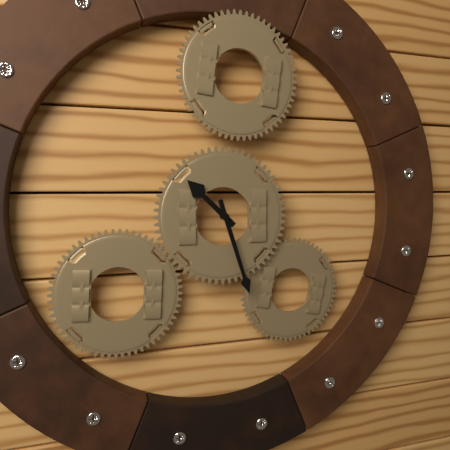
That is 10h27
